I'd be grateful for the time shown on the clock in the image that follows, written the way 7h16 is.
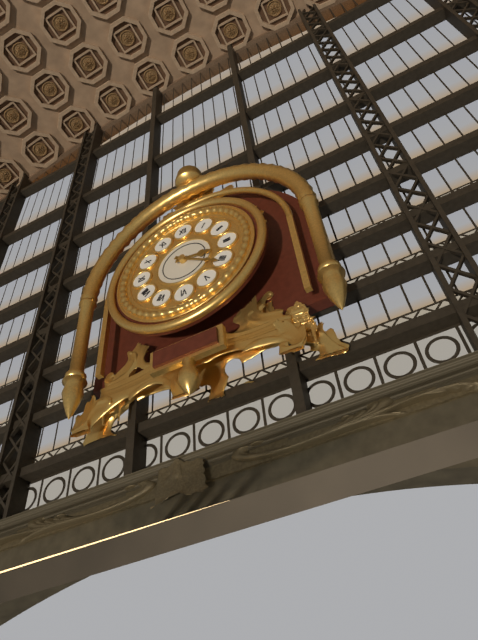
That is 3h21
